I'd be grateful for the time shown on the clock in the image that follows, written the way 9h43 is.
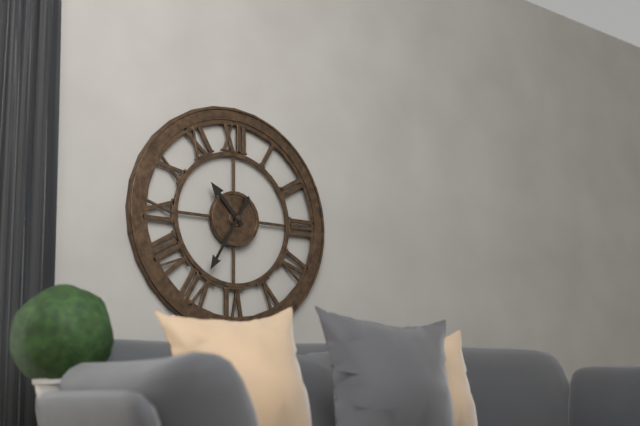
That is 10h35
